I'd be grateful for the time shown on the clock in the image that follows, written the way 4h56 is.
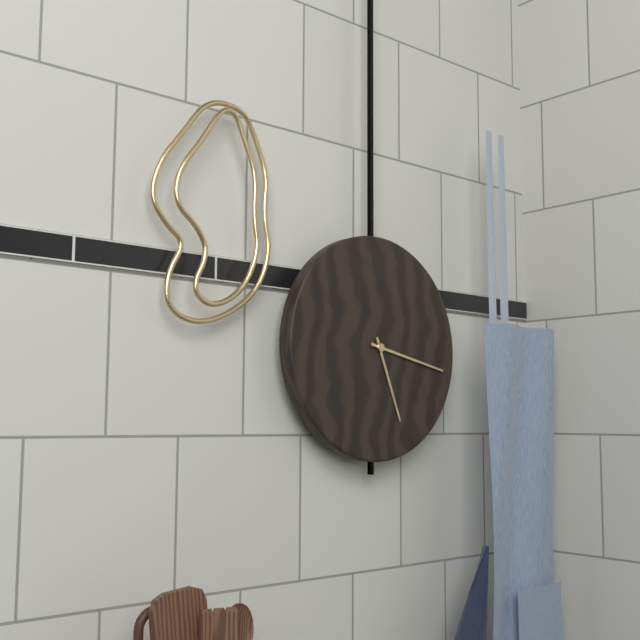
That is 5h17
